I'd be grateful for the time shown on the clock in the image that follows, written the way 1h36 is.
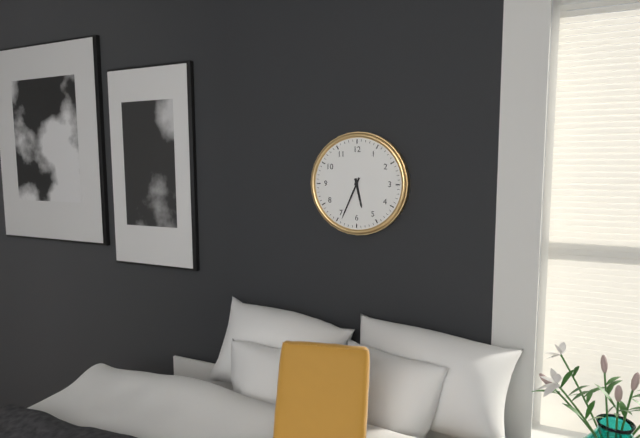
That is 5h34
